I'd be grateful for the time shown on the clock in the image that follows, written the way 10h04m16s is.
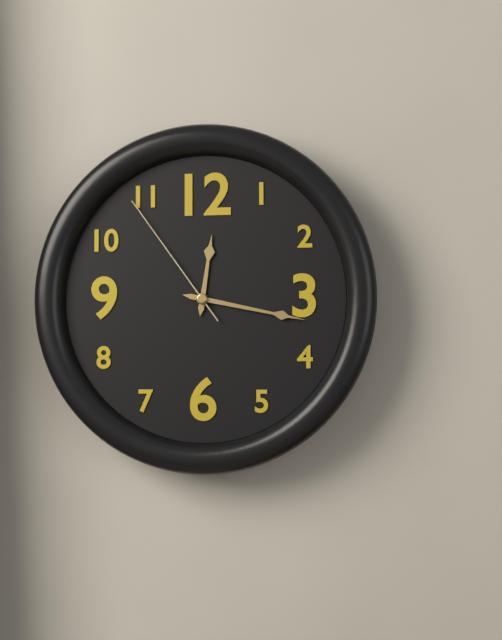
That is 12h17m54s
